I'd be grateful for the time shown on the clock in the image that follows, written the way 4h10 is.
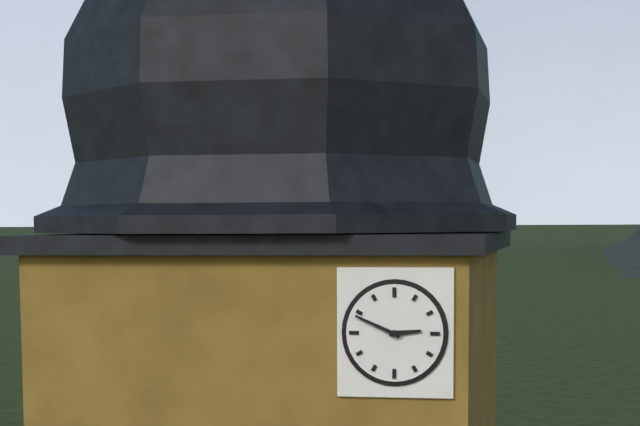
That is 2h49
